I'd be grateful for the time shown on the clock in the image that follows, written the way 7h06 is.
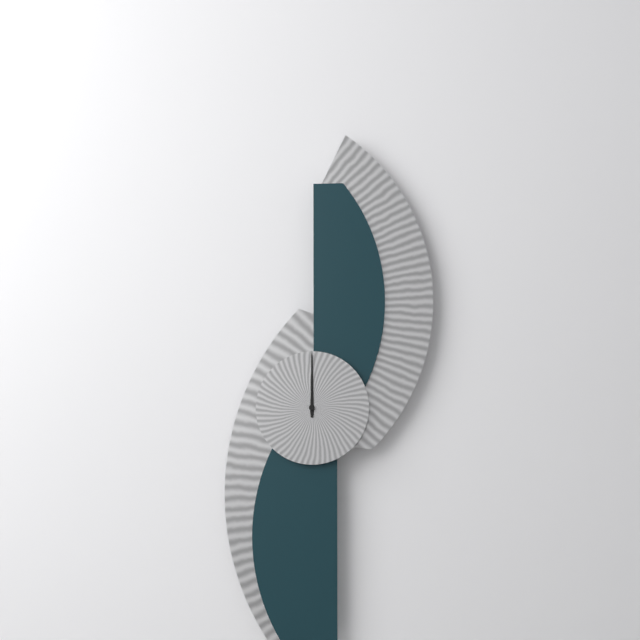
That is 12h00
